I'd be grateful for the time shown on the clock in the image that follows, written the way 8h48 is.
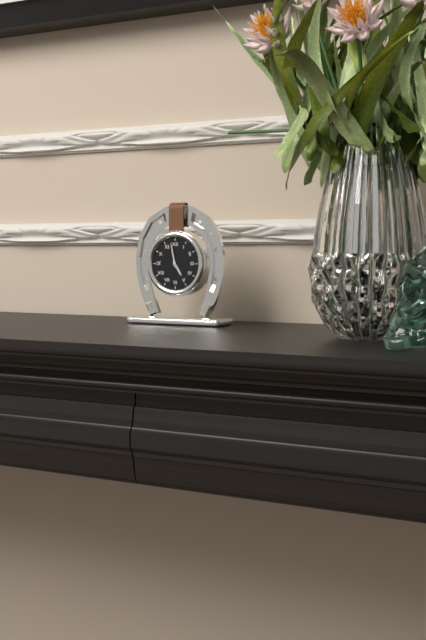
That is 4h58
